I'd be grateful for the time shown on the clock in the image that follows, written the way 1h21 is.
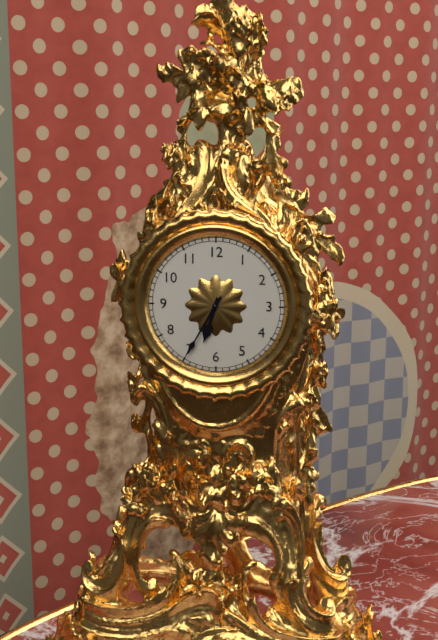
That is 6h35
